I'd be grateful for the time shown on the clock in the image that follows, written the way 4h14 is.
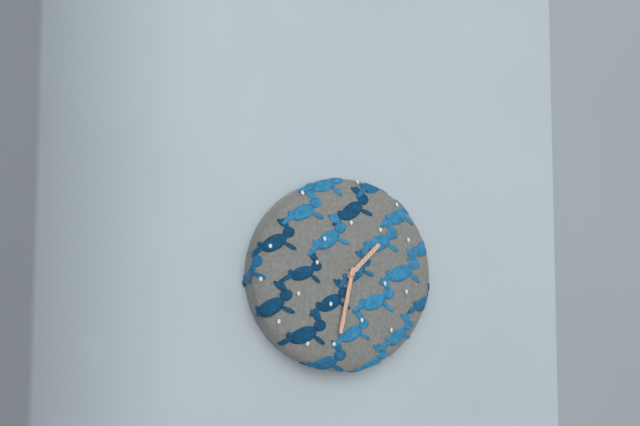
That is 1h32
